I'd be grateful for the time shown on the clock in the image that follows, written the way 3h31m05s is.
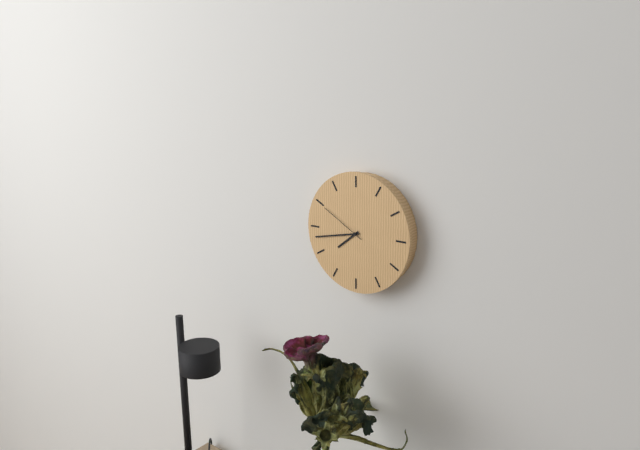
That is 7h43m50s
